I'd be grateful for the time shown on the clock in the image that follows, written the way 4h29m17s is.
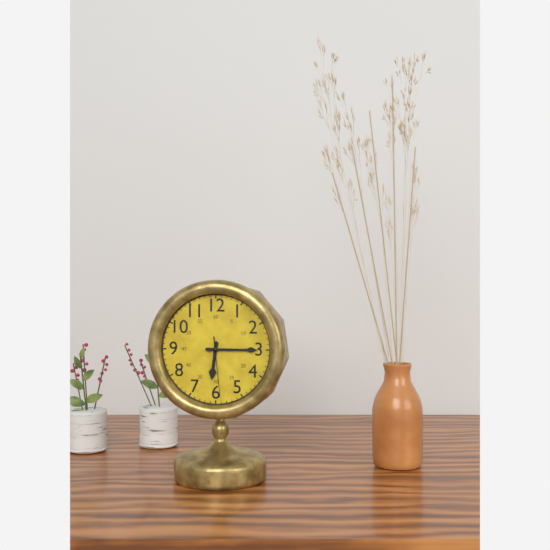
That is 6h15m29s
